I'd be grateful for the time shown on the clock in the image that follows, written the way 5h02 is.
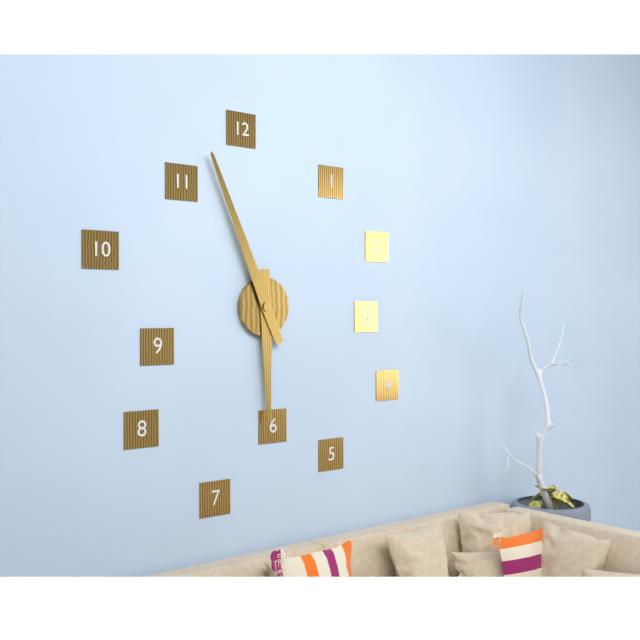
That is 5h56
